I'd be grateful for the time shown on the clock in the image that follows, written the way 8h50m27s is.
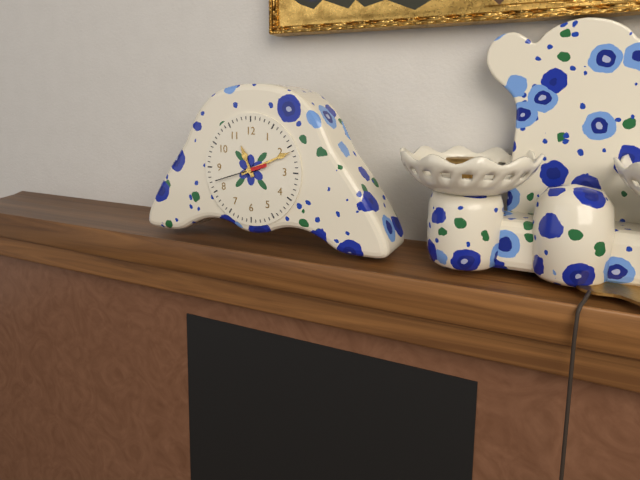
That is 11h11m42s
